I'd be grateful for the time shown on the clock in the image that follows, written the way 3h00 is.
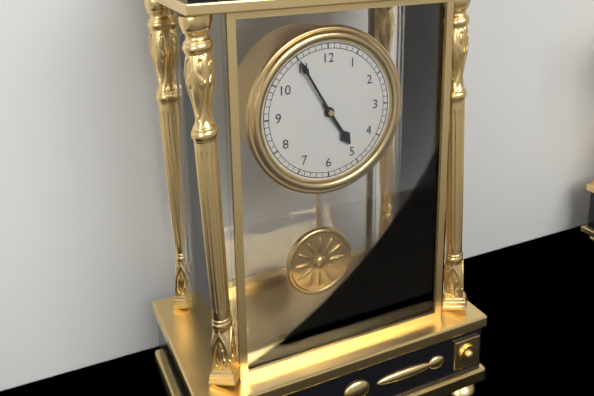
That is 4h55
